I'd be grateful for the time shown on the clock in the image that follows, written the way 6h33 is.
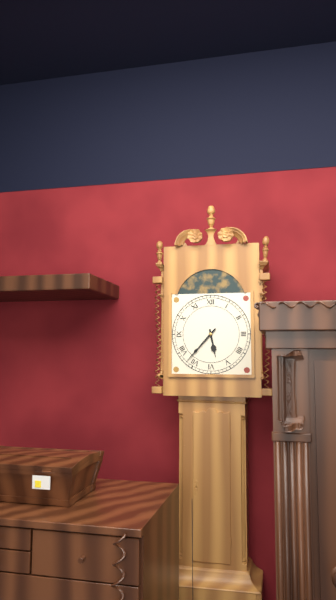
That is 5h37
